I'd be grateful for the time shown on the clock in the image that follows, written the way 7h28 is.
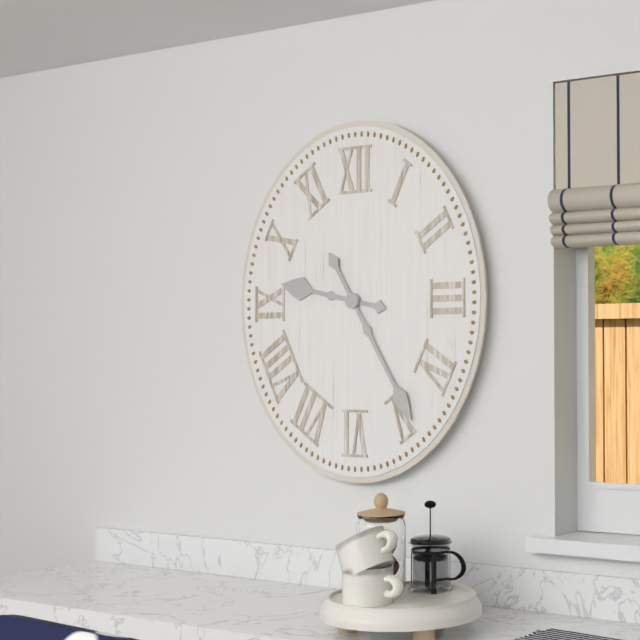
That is 9h25
